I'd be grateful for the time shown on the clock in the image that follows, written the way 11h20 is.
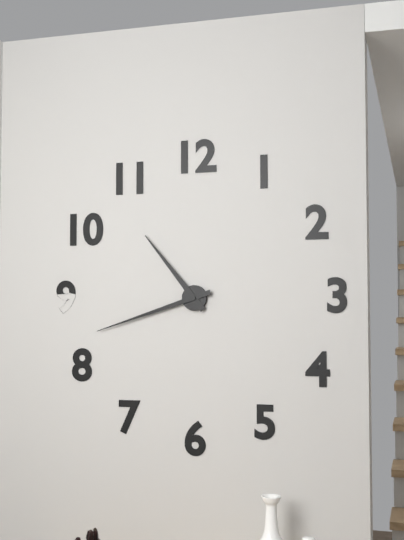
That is 10h42
